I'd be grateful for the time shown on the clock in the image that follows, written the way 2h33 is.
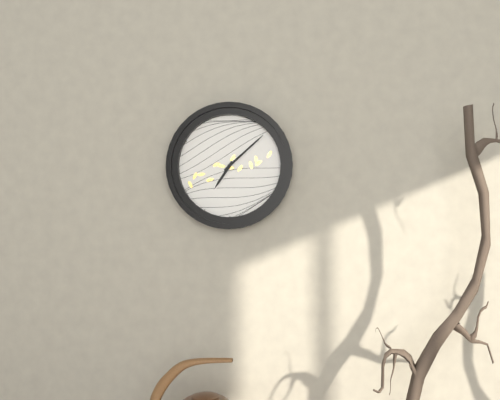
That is 7h08
